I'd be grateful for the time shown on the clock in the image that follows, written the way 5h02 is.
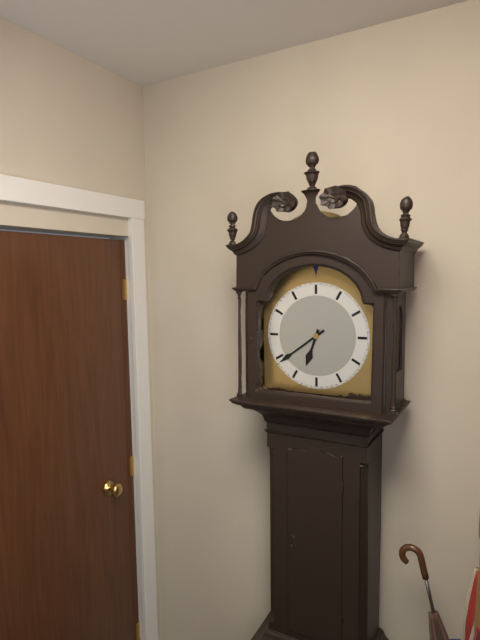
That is 6h39
